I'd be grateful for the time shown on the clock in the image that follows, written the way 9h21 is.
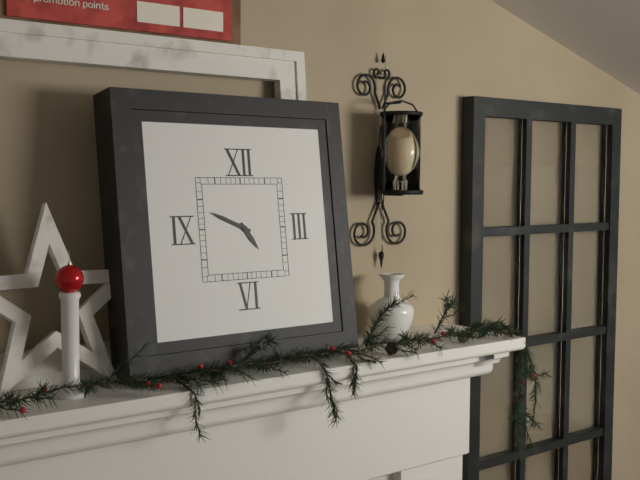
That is 4h49
